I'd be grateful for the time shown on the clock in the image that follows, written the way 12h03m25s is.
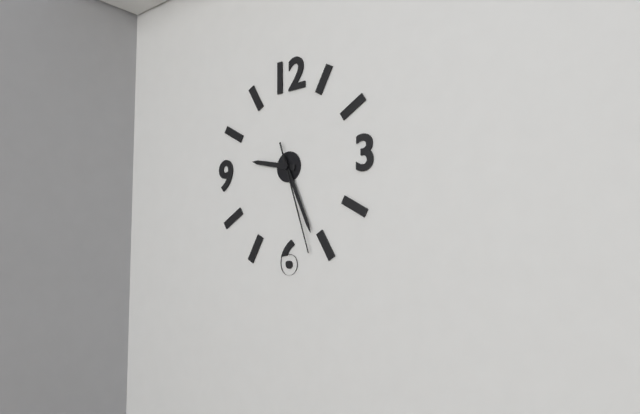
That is 9h26m27s
